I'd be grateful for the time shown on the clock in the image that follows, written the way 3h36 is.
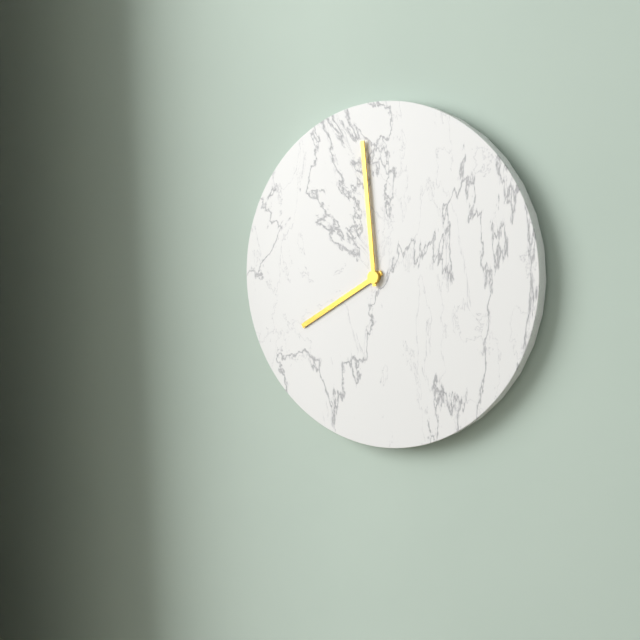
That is 7h59
